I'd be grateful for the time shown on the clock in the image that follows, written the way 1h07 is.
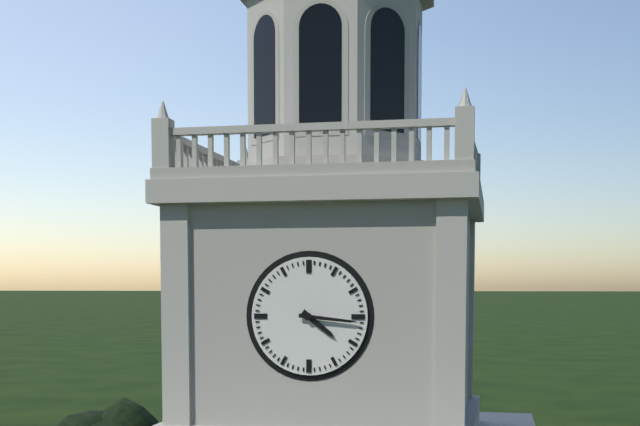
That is 4h16
